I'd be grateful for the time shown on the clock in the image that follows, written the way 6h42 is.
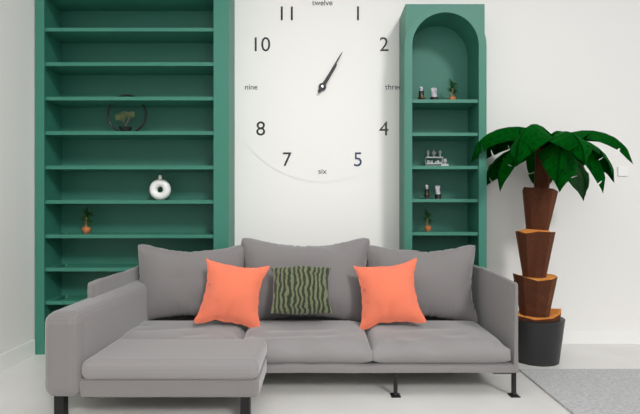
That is 1h05
